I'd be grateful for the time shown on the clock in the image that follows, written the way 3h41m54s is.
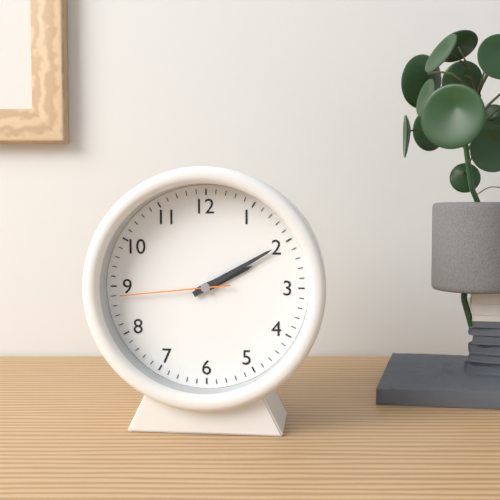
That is 2h10m44s
